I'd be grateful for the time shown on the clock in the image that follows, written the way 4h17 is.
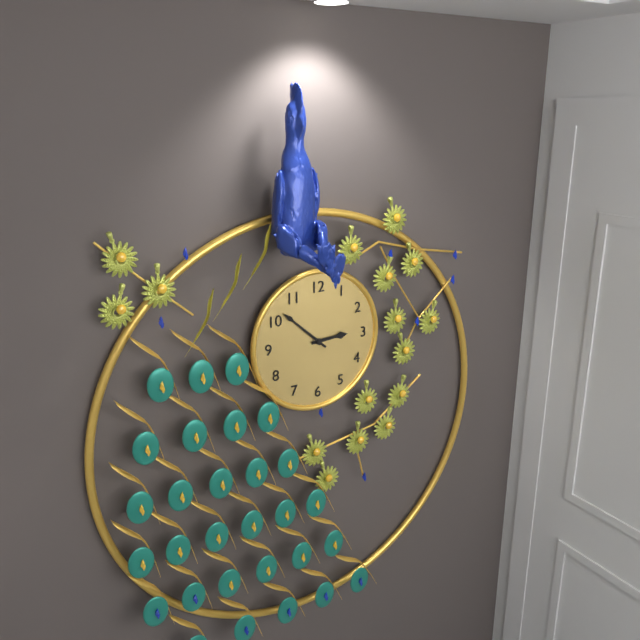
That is 2h52
